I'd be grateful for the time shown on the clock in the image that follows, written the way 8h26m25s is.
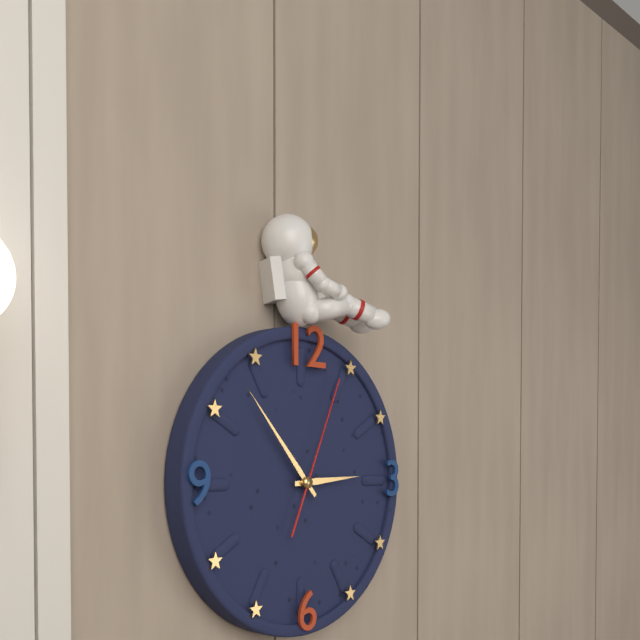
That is 2h53m04s
